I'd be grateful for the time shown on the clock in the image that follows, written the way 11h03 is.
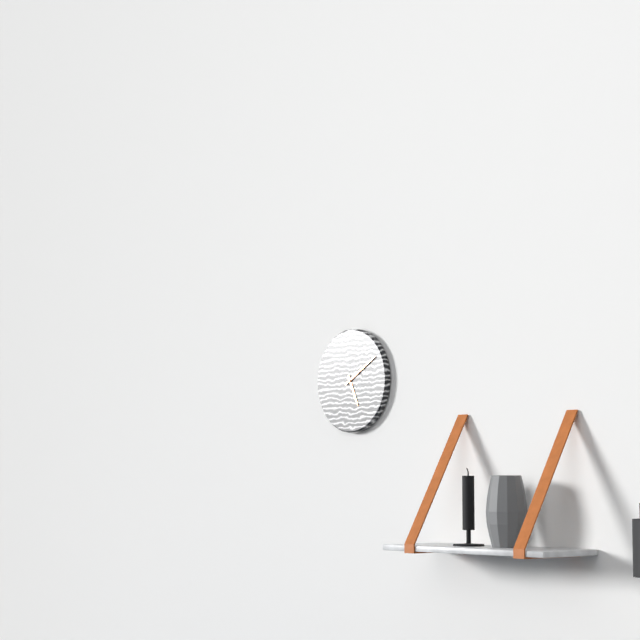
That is 5h10
